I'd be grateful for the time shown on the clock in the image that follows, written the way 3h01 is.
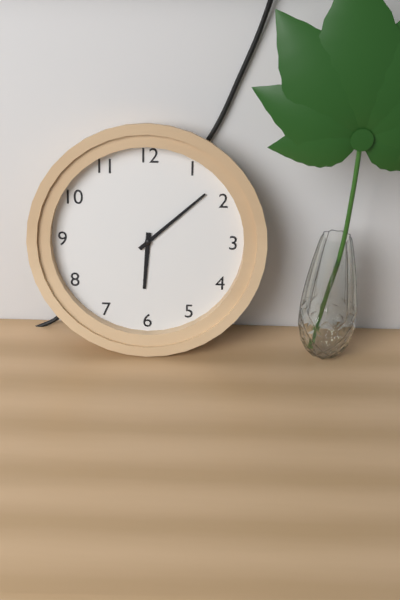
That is 6h08
